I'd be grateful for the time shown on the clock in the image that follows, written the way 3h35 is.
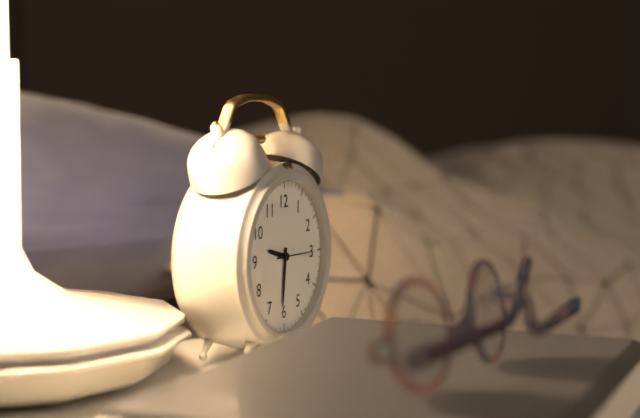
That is 9h31
